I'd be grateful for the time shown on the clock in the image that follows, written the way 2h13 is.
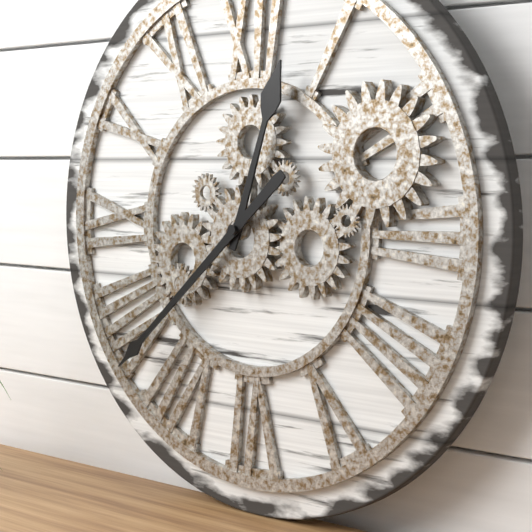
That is 12h38
